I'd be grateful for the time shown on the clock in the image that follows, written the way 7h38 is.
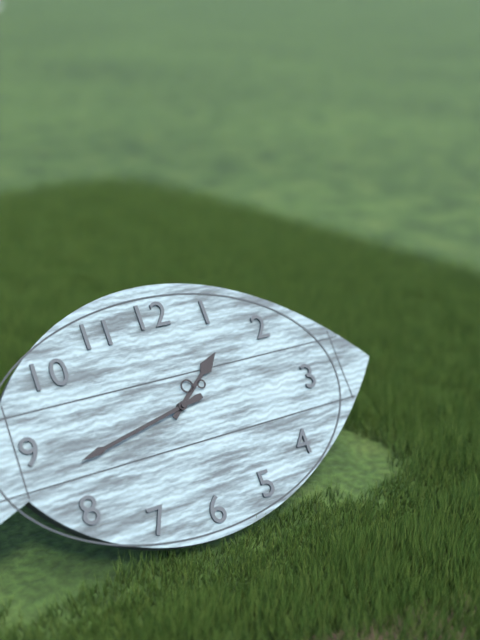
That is 1h43
